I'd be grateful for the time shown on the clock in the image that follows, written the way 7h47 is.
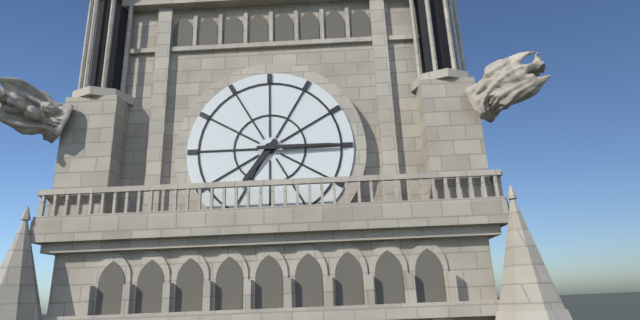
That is 7h15
